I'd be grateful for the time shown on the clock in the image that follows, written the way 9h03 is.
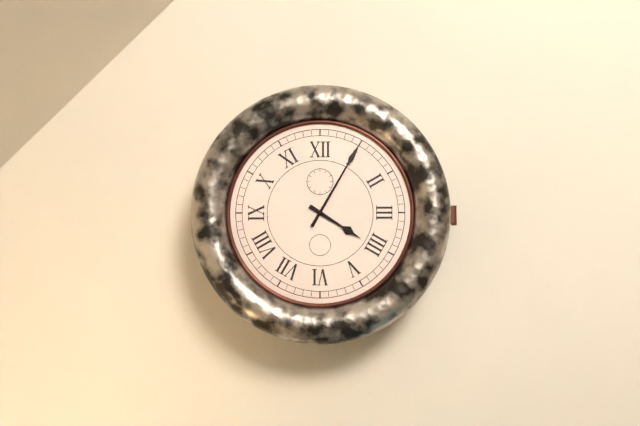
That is 4h05
